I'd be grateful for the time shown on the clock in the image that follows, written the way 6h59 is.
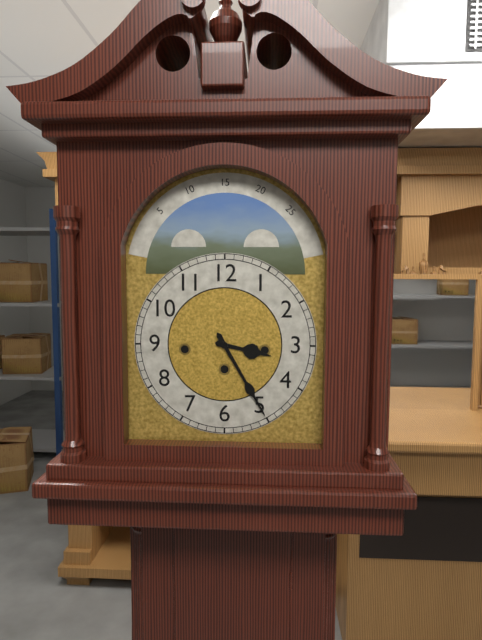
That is 3h25
